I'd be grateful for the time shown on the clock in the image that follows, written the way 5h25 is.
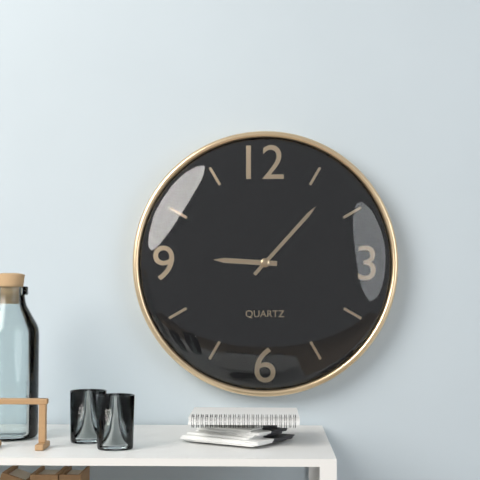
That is 9h07
